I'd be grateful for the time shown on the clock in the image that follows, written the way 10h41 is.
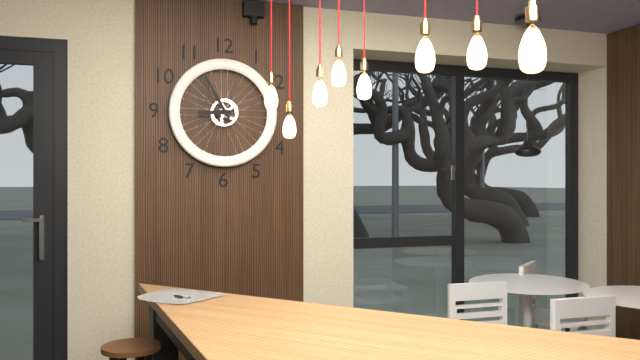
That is 8h55
